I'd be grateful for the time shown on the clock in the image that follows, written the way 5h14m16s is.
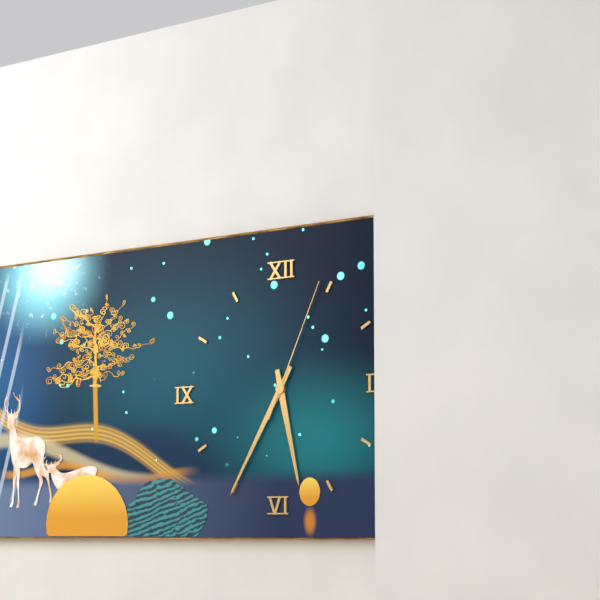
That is 5h35m04s
